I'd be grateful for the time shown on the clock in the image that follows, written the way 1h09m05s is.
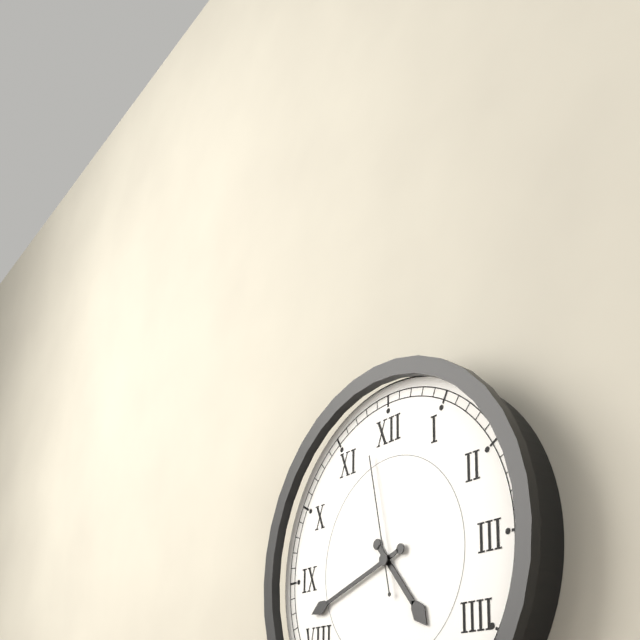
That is 4h42m58s
